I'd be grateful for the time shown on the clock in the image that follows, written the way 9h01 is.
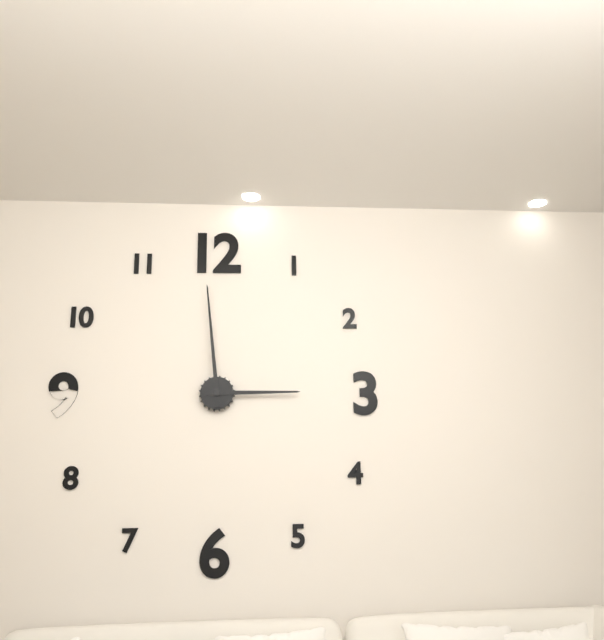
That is 2h59
